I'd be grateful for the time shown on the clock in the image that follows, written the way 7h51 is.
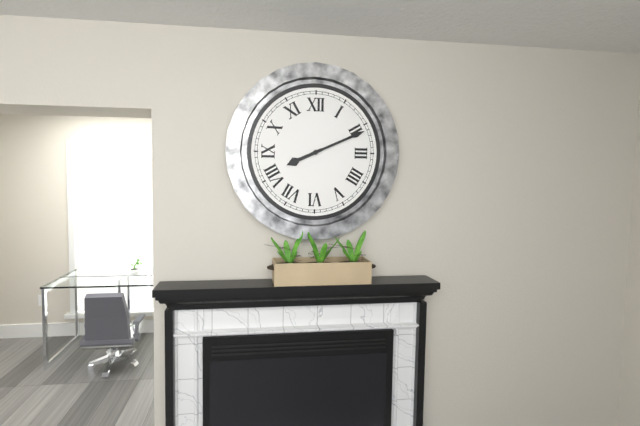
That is 8h11
